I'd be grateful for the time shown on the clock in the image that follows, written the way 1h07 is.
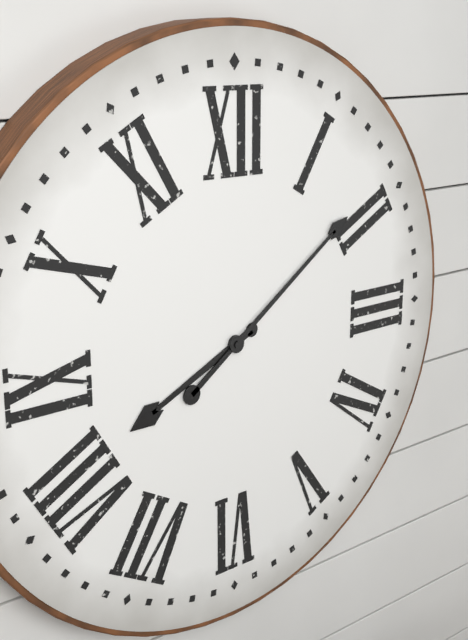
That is 8h09
